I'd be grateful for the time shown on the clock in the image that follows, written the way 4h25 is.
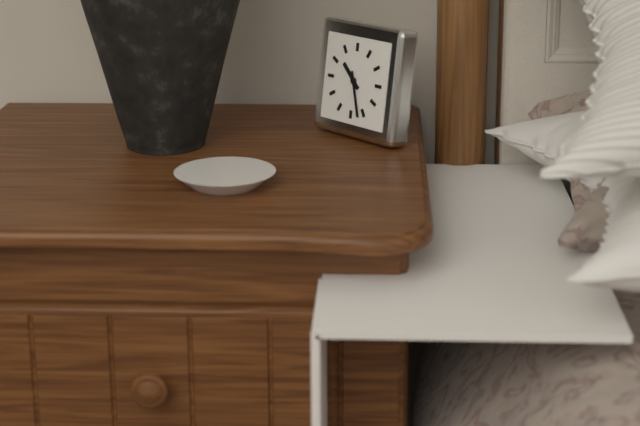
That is 10h27
